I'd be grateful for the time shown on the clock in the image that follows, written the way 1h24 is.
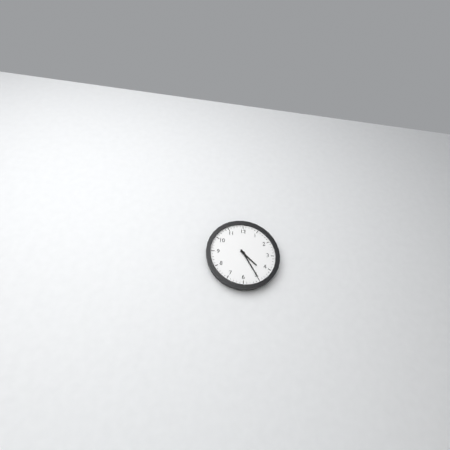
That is 4h25
